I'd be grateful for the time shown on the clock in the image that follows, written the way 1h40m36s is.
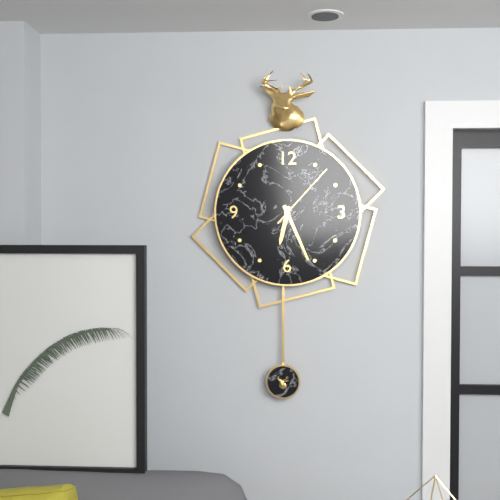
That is 6h26m07s
